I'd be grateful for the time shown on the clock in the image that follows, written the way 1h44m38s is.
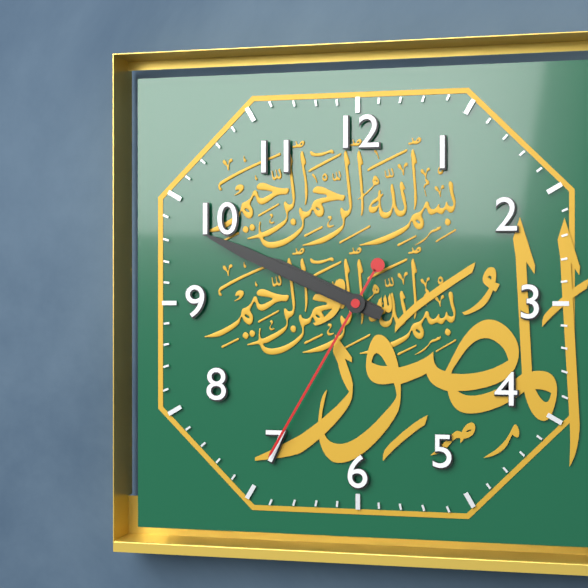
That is 9h49m35s
